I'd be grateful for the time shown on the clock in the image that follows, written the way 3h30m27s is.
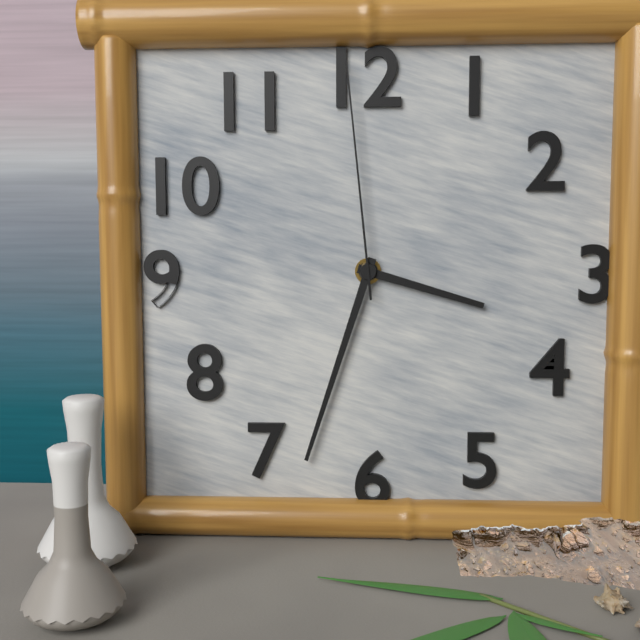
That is 3h33m59s
